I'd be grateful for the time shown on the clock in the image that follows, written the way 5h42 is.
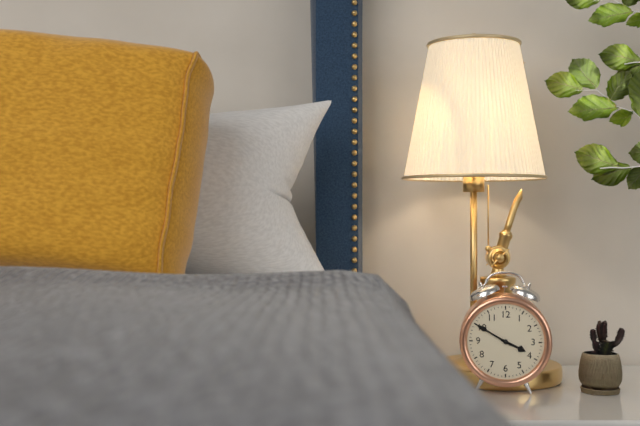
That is 3h50
